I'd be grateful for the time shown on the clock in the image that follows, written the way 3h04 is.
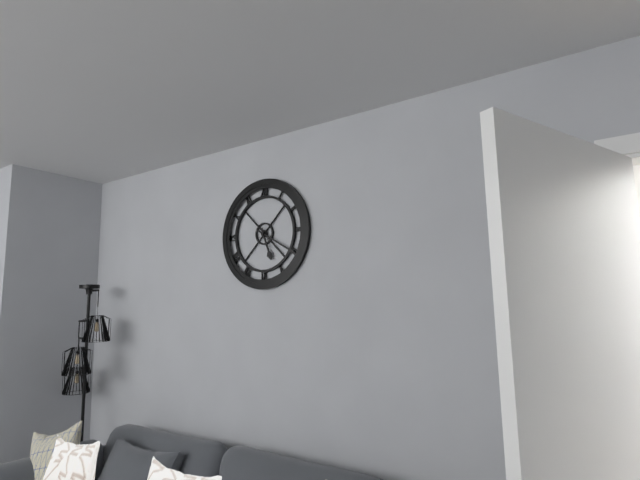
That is 5h20
